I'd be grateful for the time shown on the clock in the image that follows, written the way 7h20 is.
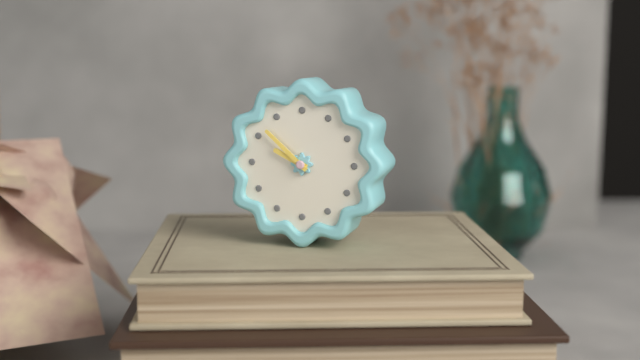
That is 9h52
